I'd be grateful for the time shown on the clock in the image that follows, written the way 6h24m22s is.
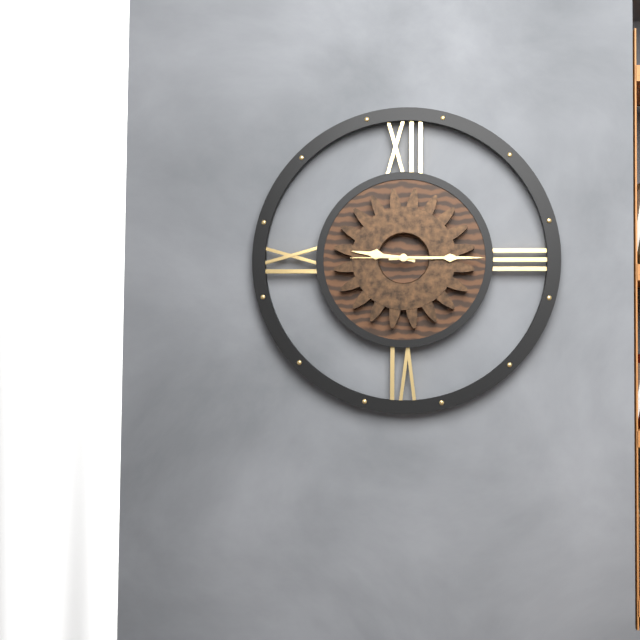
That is 9h15m45s
